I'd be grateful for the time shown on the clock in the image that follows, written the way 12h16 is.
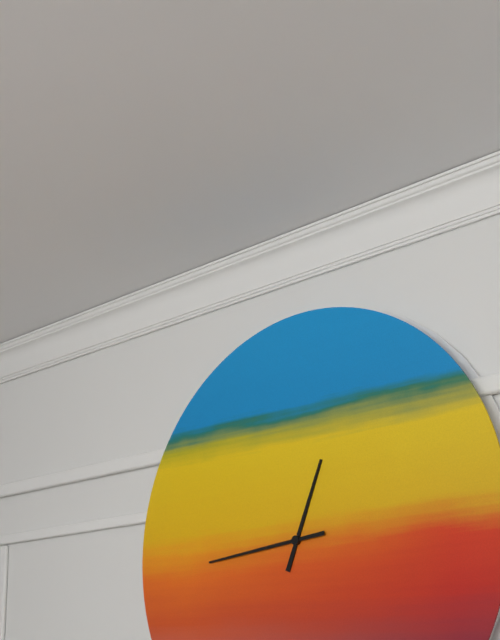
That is 12h44
